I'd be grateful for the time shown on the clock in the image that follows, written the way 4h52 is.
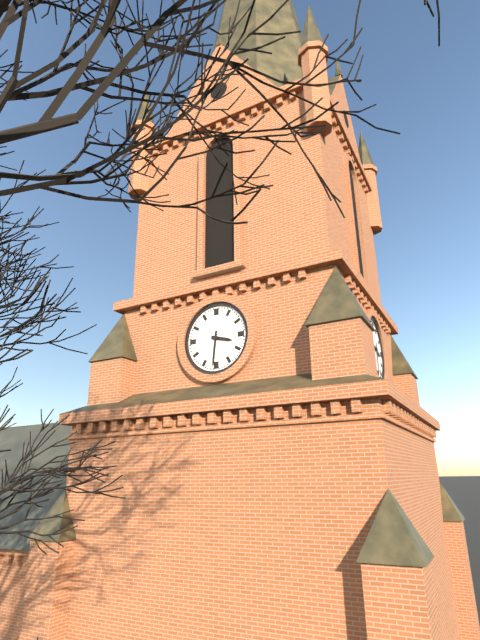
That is 3h31
